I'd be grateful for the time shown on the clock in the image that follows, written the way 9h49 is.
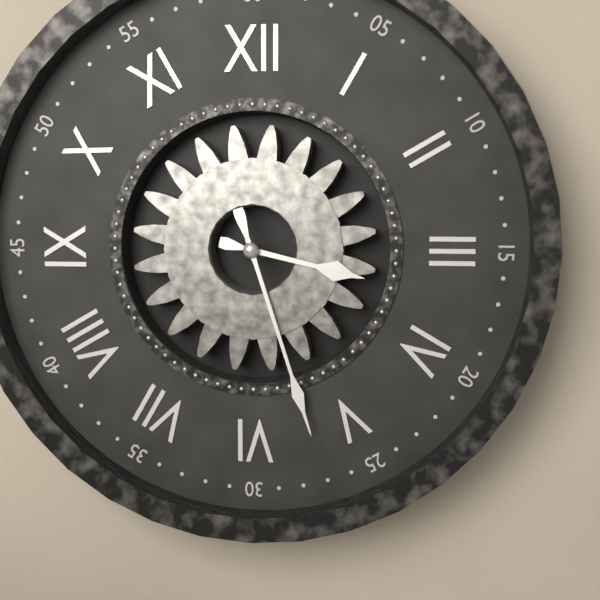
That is 3h27
